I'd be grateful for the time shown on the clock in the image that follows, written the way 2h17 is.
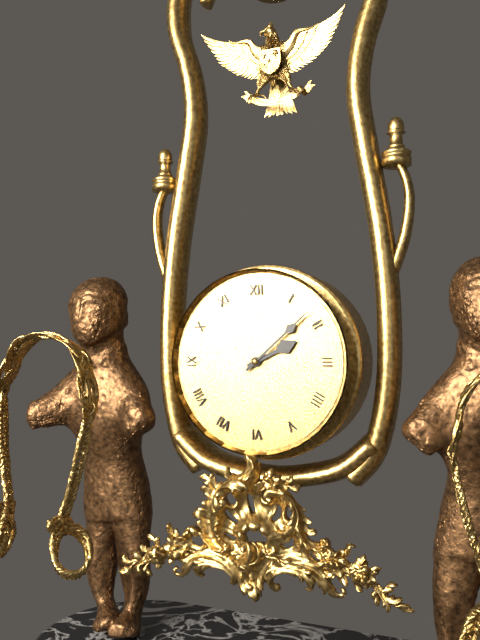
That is 2h08
